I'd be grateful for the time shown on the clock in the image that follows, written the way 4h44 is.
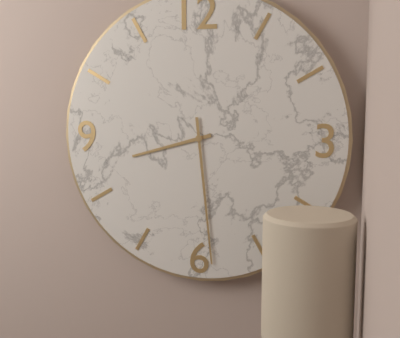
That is 8h29
